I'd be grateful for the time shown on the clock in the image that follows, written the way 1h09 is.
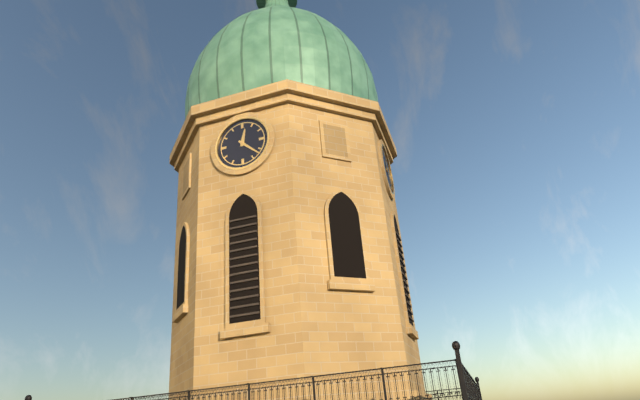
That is 12h22
